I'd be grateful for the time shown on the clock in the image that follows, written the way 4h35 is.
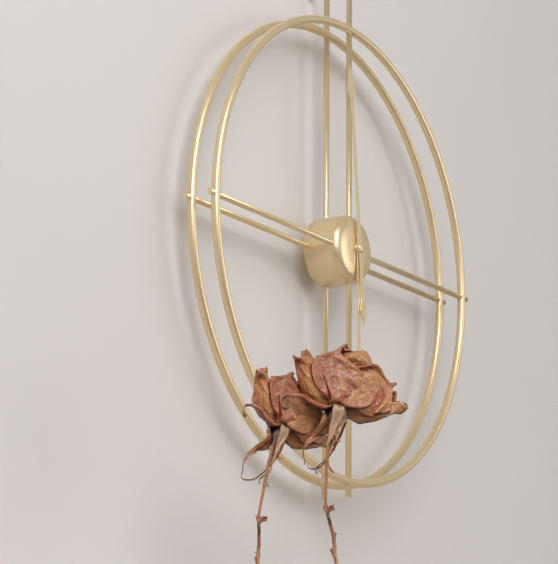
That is 5h59
